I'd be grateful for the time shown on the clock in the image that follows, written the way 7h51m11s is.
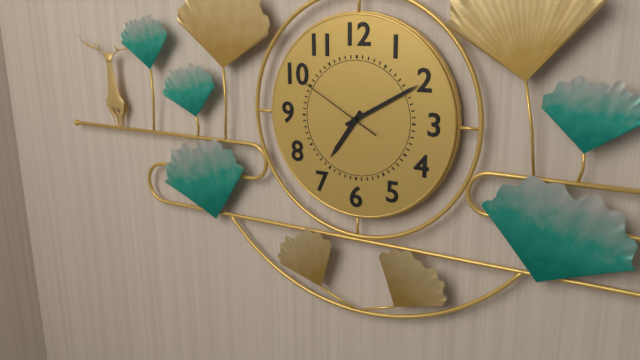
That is 7h10m50s
